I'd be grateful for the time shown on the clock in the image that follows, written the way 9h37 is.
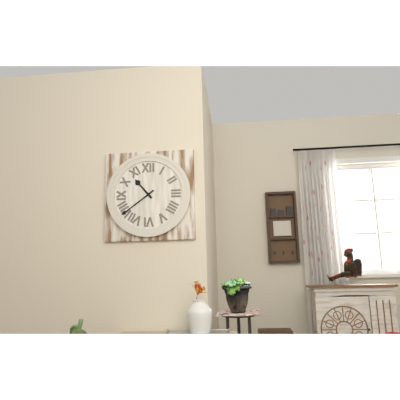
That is 10h39
